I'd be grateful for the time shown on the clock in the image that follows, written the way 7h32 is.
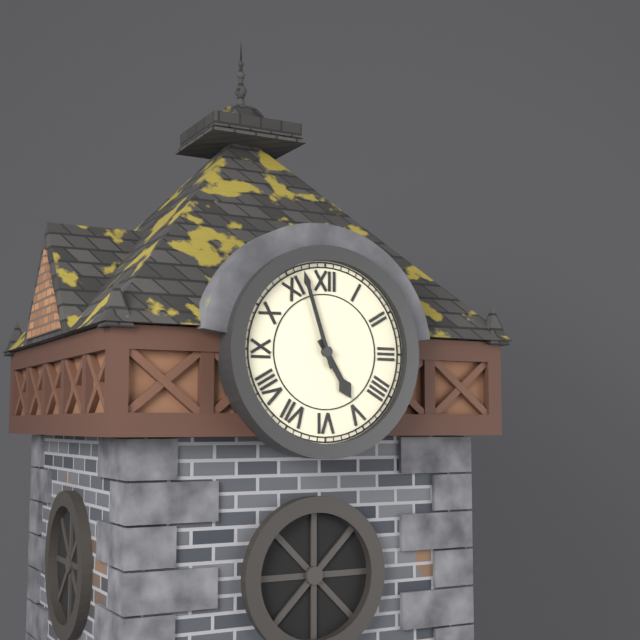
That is 4h57
